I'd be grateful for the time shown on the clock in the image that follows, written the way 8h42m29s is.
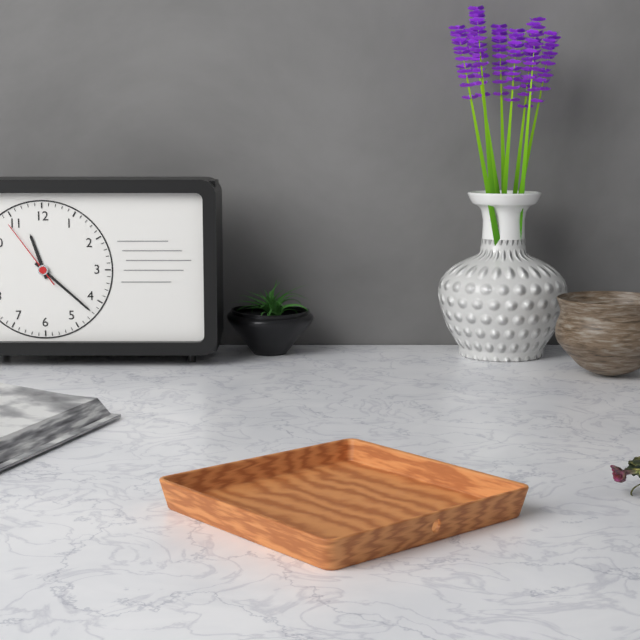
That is 11h22m54s
